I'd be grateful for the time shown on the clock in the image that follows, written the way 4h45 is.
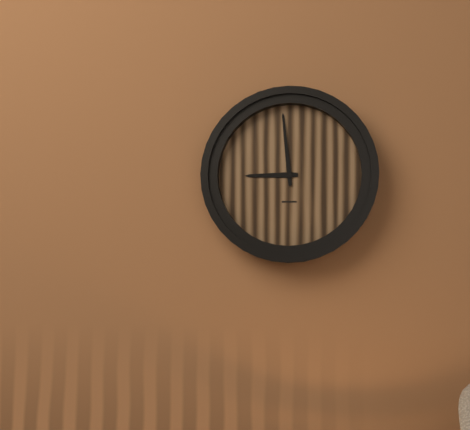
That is 8h59
